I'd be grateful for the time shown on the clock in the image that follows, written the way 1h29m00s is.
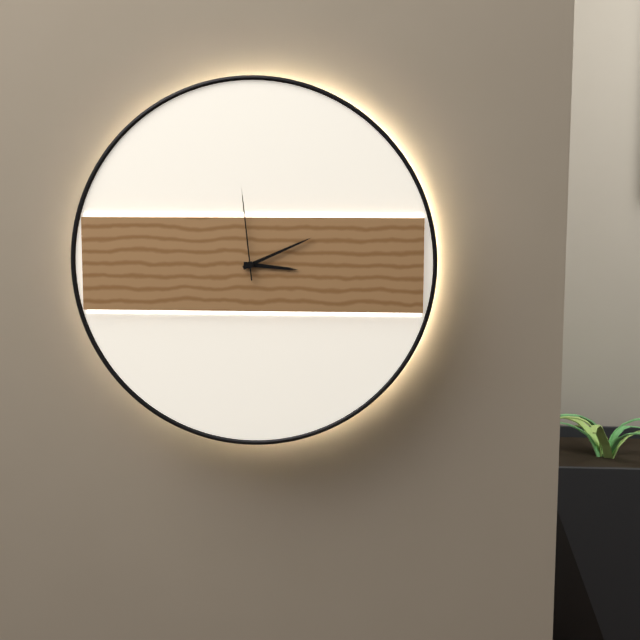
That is 3h11m59s
